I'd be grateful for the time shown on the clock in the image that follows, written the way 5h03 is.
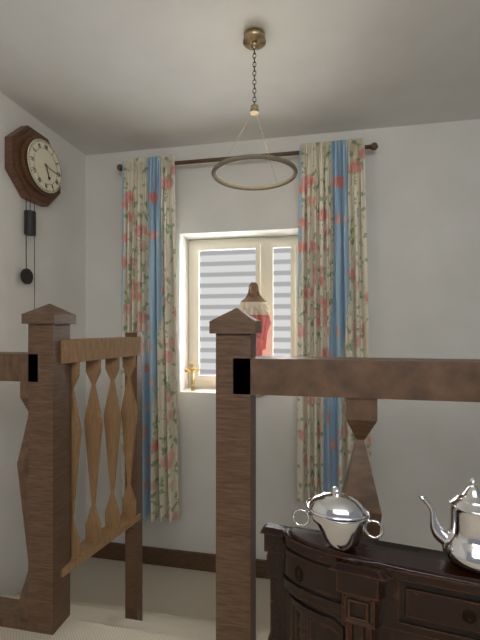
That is 5h16
